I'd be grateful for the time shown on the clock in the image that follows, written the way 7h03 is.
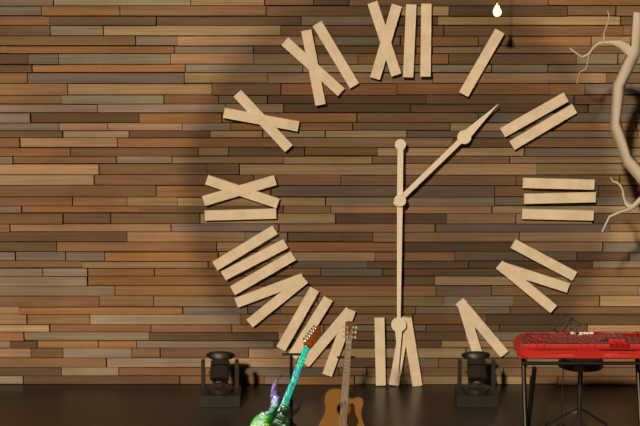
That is 1h30
